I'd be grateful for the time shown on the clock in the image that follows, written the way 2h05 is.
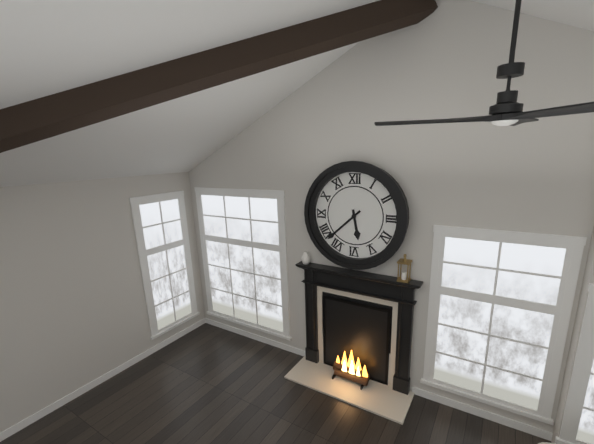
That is 5h38
